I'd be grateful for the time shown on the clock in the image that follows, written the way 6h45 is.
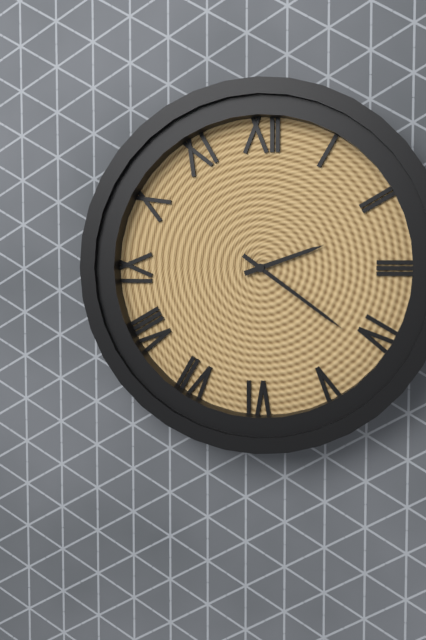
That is 2h21
